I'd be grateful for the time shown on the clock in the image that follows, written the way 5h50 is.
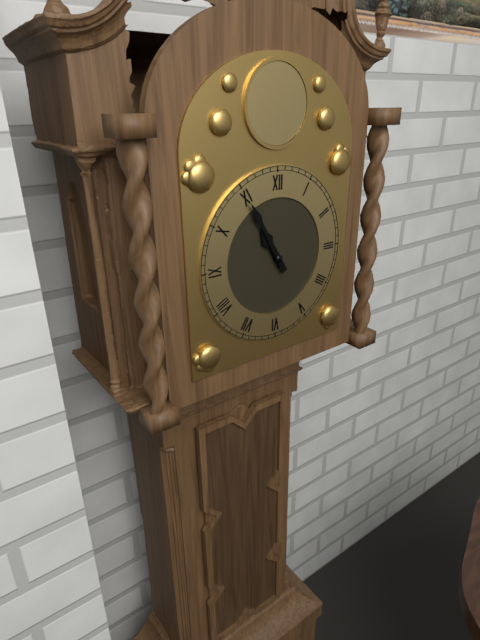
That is 10h55
